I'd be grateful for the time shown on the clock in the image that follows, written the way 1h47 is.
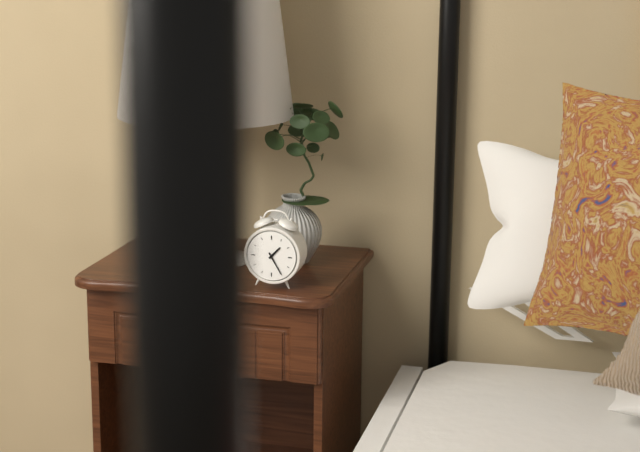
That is 1h25
